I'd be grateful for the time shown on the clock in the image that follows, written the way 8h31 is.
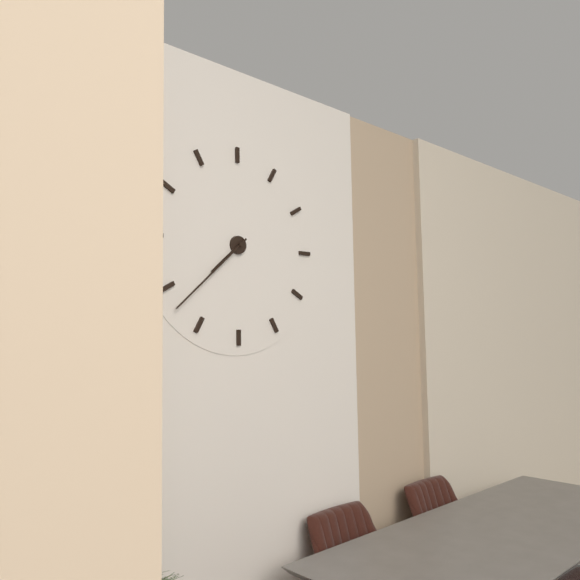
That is 7h38
